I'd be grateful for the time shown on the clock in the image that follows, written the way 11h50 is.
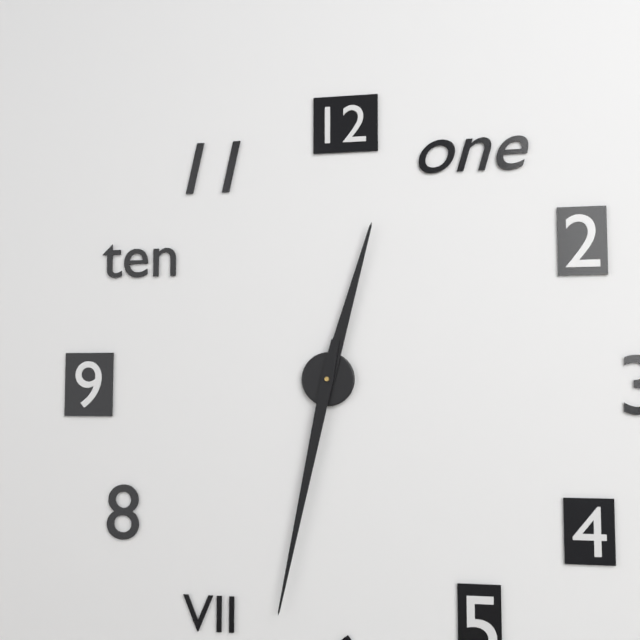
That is 12h32
